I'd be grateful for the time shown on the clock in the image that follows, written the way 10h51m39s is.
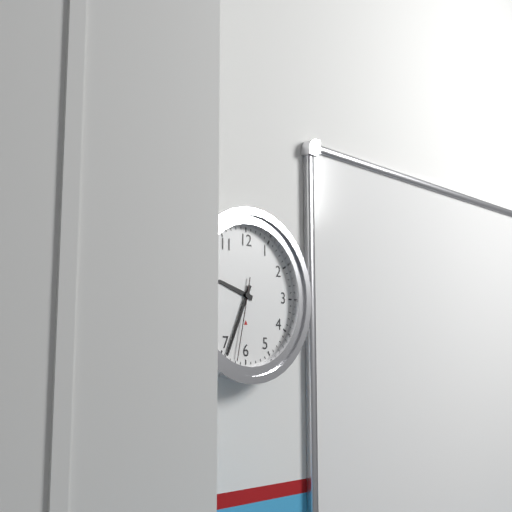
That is 9h34m32s
